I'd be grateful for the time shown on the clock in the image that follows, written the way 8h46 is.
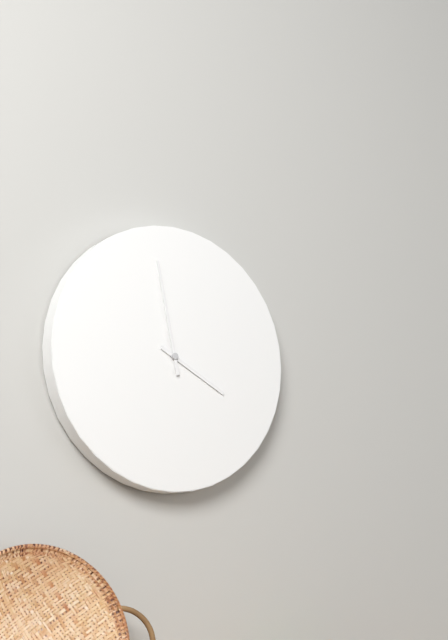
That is 3h58
